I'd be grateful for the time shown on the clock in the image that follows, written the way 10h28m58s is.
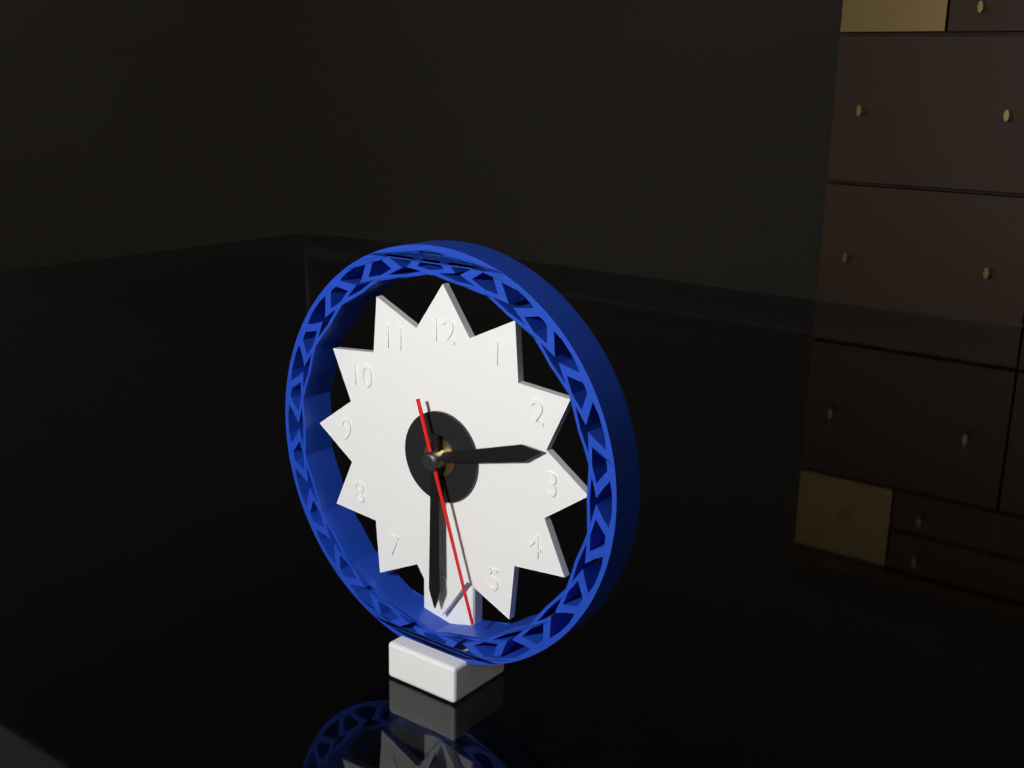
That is 2h30m27s
